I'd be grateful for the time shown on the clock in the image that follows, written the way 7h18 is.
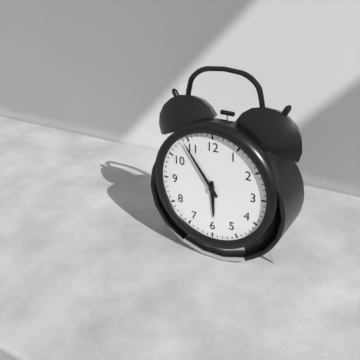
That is 5h54
